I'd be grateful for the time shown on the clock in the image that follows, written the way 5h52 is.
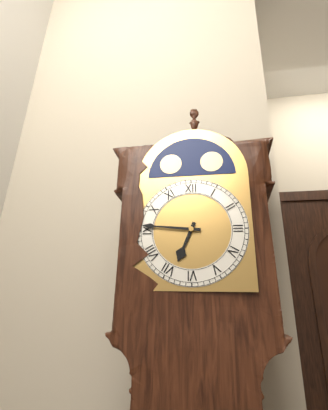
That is 6h46
